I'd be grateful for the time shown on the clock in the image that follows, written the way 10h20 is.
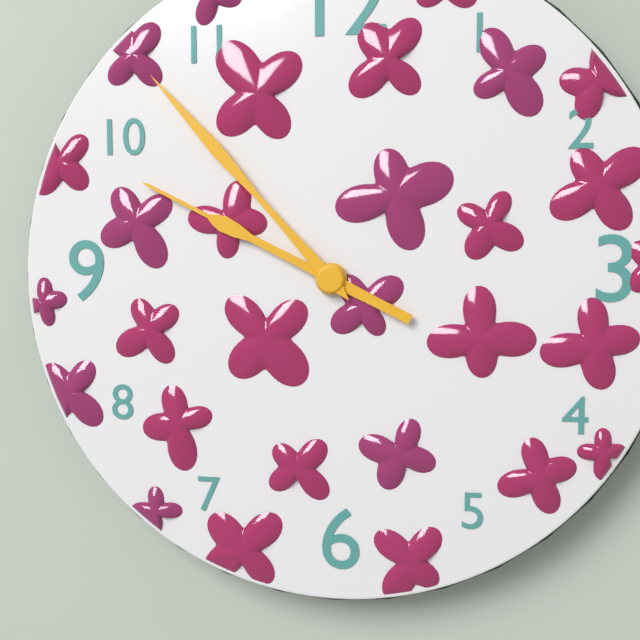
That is 9h53
